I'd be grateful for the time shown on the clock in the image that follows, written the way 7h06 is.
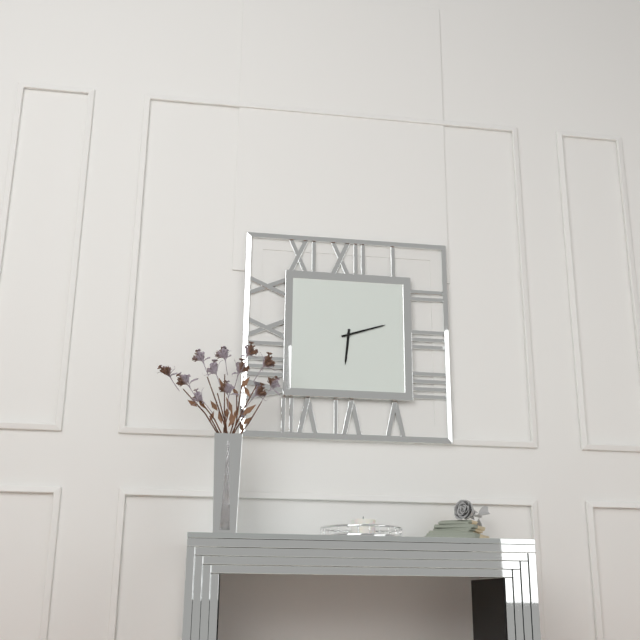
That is 6h12
